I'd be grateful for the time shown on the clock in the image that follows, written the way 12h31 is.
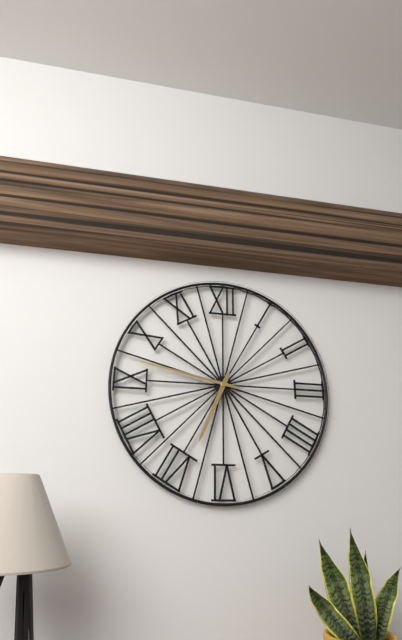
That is 6h47
